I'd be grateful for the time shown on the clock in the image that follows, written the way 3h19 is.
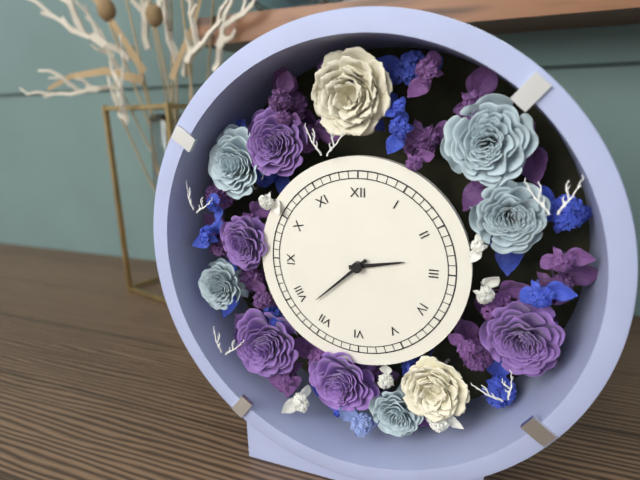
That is 2h38
